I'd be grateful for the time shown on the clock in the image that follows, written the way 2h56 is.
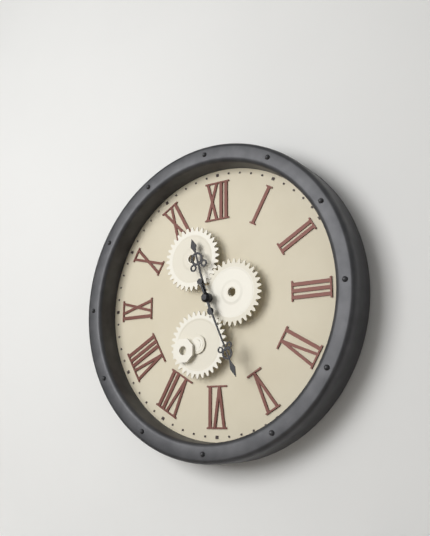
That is 11h26
